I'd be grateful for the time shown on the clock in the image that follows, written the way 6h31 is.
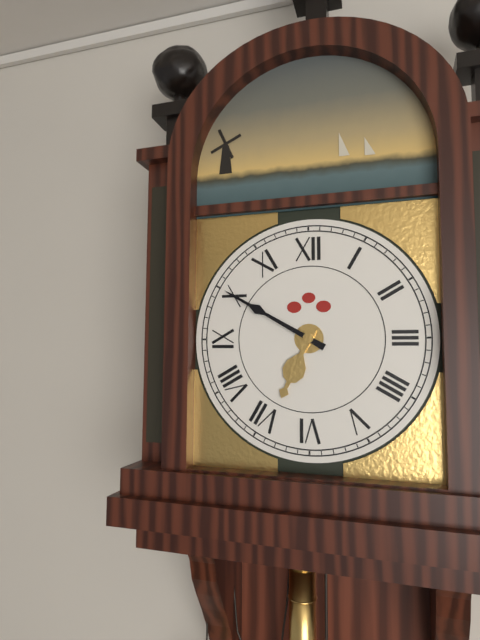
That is 6h50
